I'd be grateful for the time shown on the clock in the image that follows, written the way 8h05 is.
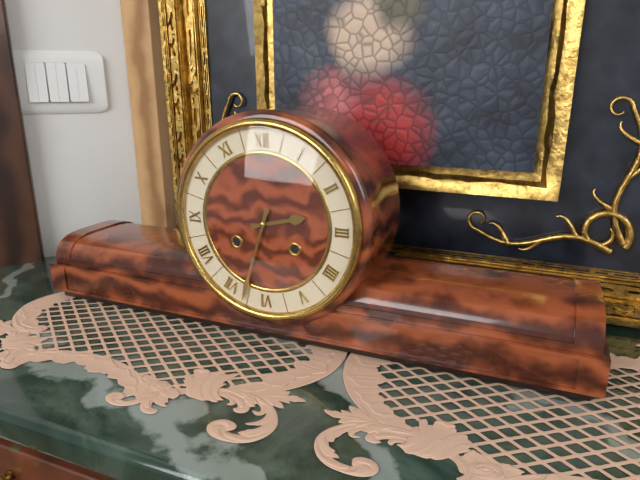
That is 2h33
